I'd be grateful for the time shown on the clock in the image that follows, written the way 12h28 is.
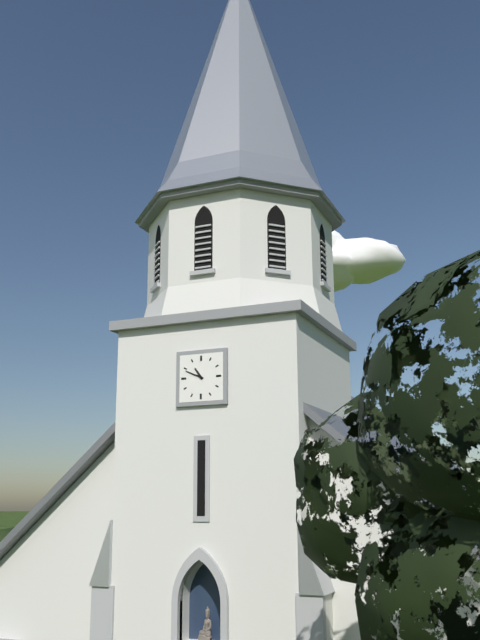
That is 10h49
